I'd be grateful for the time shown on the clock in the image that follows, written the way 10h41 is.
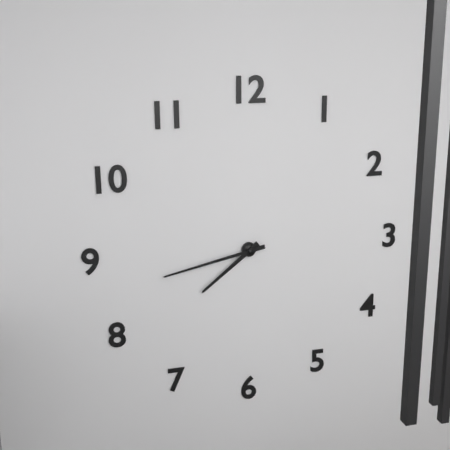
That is 7h43
